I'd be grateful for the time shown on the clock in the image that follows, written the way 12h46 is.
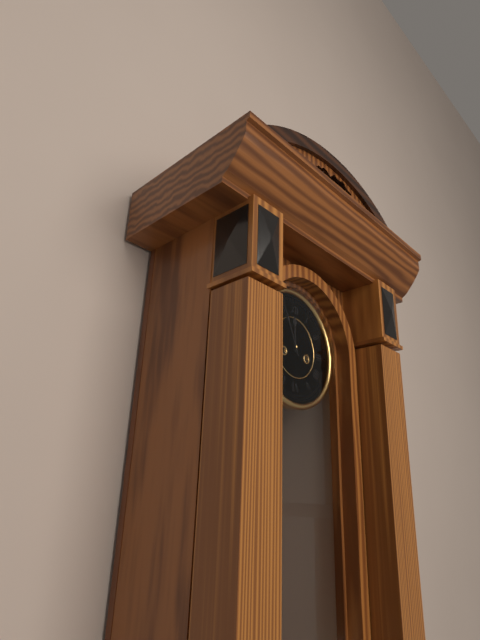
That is 11h56
